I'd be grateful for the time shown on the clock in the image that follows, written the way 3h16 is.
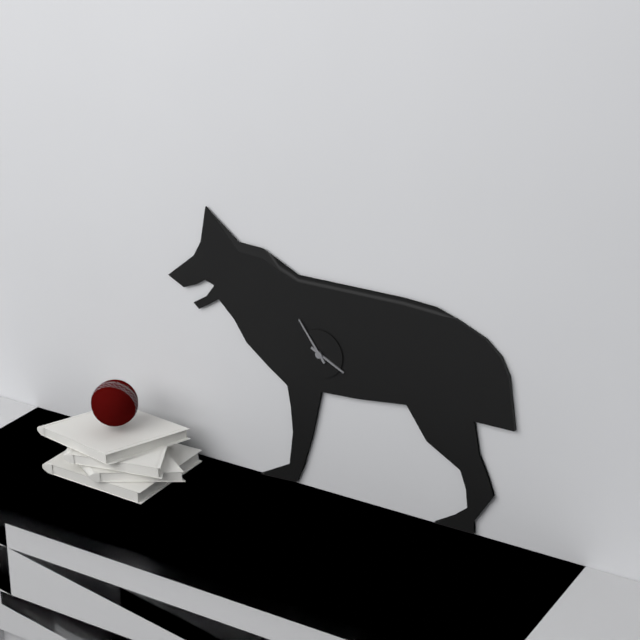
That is 3h54
